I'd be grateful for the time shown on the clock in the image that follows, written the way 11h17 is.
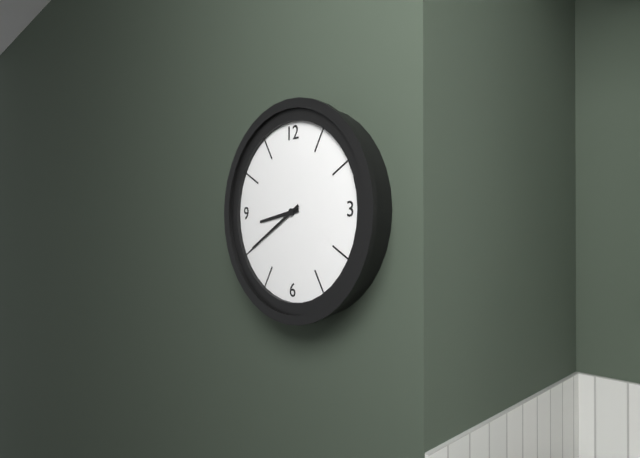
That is 8h40
